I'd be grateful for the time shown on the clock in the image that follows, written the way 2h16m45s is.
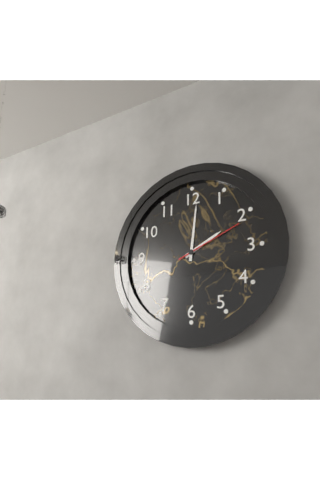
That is 2h01m11s
